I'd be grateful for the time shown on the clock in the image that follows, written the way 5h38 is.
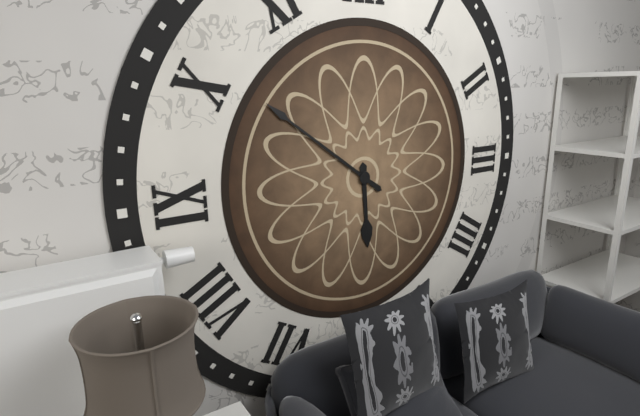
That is 5h51
